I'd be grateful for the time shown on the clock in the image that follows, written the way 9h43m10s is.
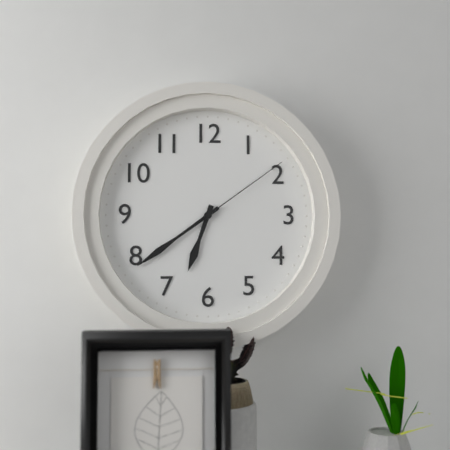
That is 6h39m09s
